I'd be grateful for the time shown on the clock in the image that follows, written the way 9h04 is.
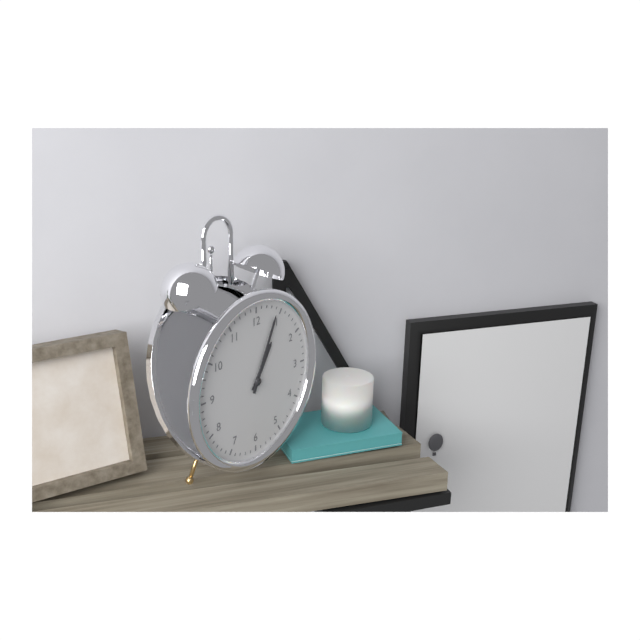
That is 1h04
